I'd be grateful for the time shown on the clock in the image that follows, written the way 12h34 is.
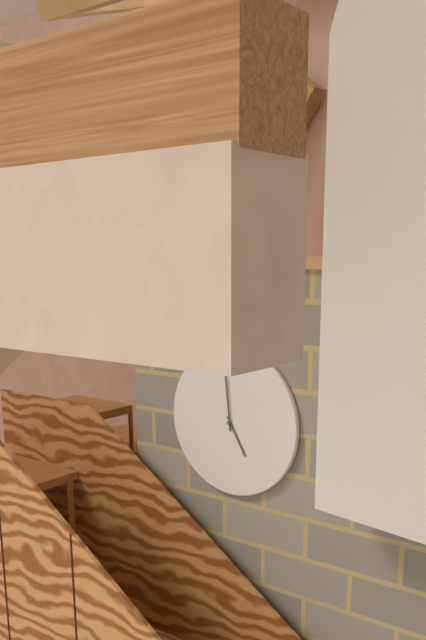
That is 4h59
